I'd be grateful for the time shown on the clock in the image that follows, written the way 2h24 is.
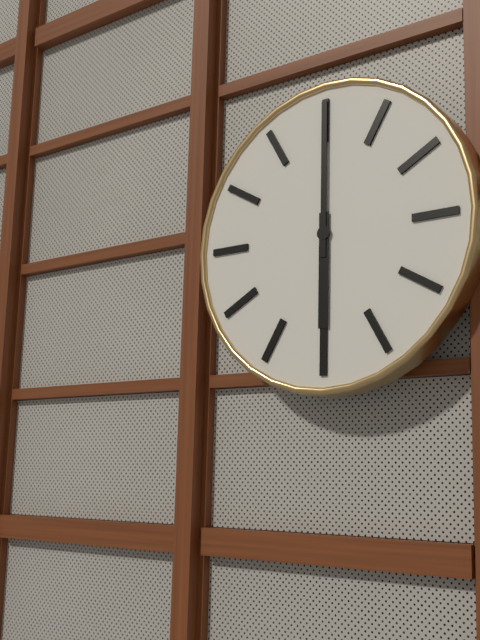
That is 6h00
